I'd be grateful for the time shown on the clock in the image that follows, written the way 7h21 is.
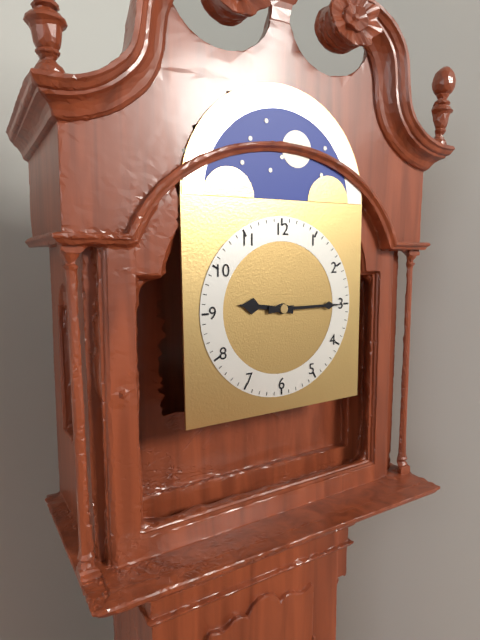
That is 9h15
